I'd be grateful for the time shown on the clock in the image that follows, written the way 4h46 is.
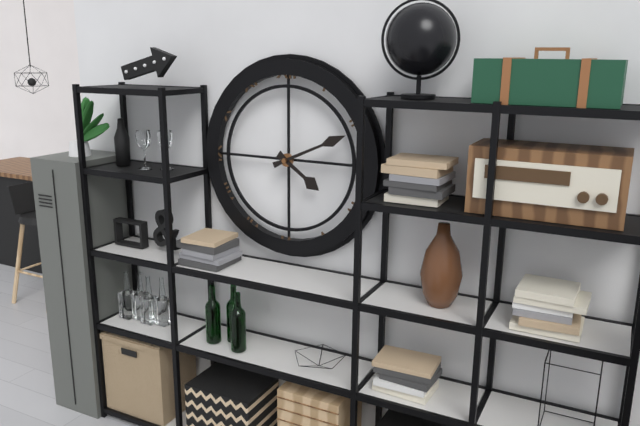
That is 4h11
